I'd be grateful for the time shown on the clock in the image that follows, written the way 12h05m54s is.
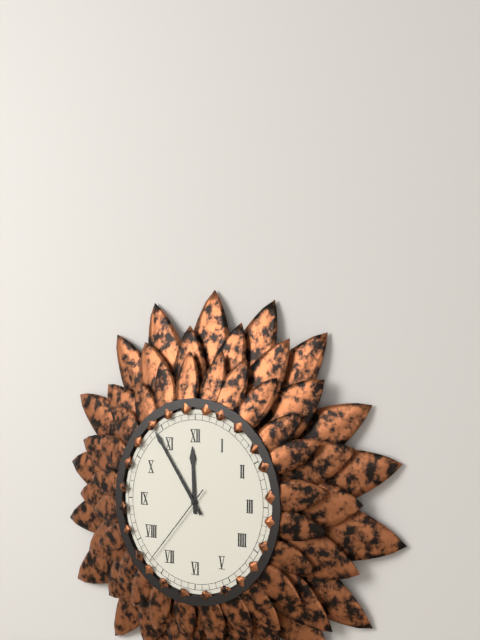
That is 11h54m37s
